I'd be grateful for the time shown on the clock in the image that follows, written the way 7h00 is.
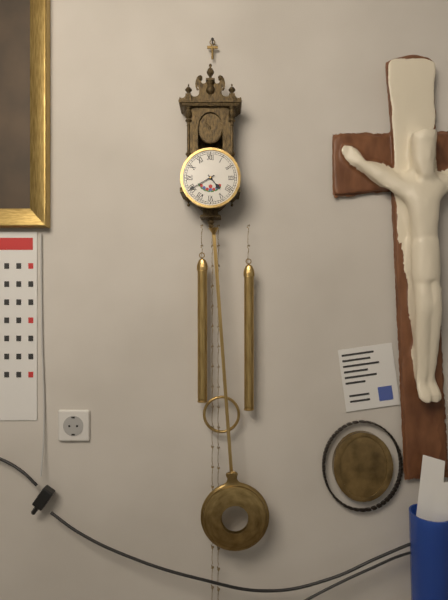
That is 4h40
